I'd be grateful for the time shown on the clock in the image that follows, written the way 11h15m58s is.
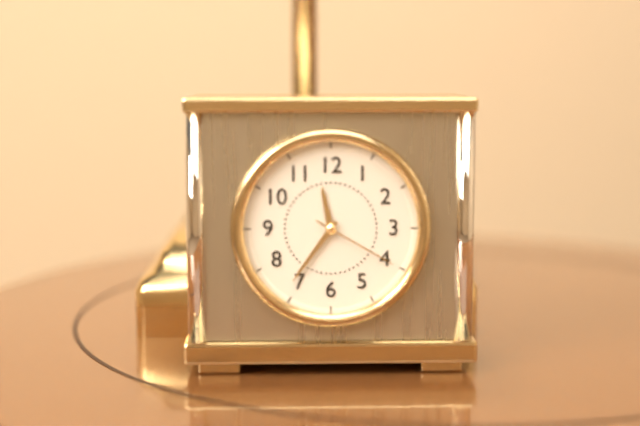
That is 11h36m20s
